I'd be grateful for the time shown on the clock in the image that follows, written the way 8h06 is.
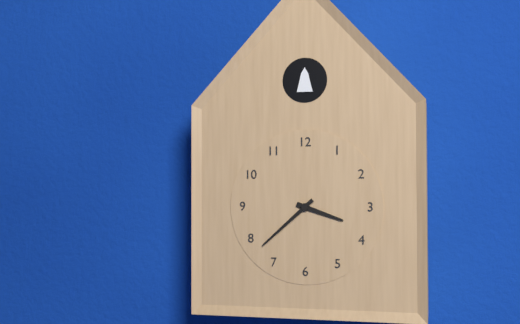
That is 3h38
